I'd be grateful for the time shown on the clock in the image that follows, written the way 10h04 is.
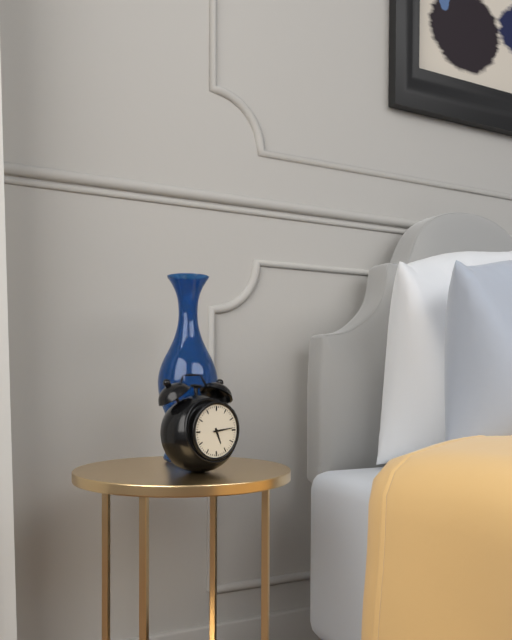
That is 5h14
